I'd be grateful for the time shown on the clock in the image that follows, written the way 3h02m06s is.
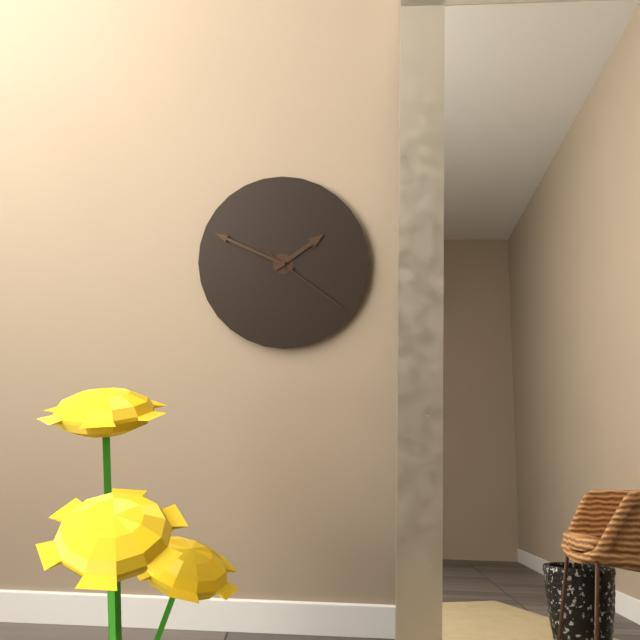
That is 1h49m21s
